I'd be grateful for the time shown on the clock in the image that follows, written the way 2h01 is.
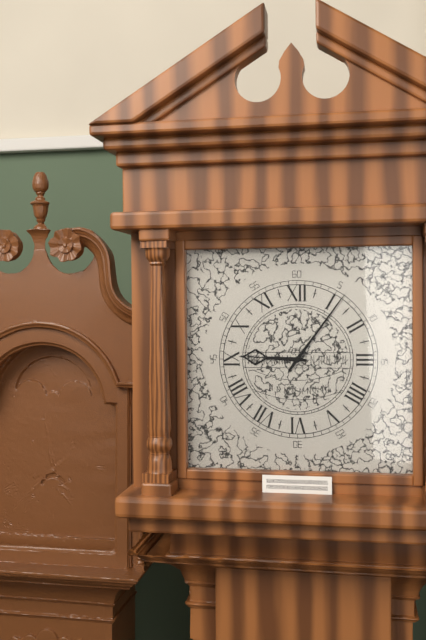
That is 9h06
